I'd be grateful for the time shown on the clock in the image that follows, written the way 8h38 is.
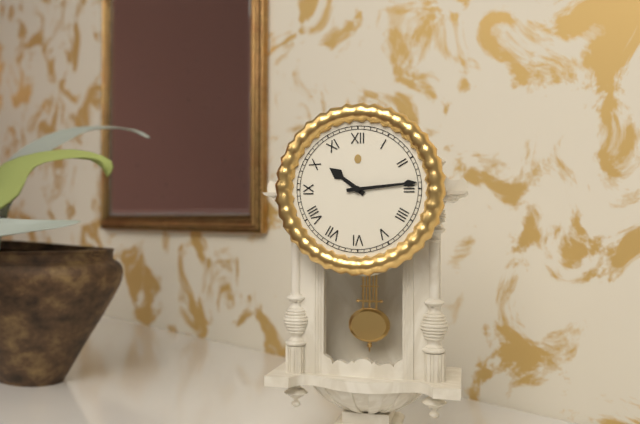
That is 10h14
